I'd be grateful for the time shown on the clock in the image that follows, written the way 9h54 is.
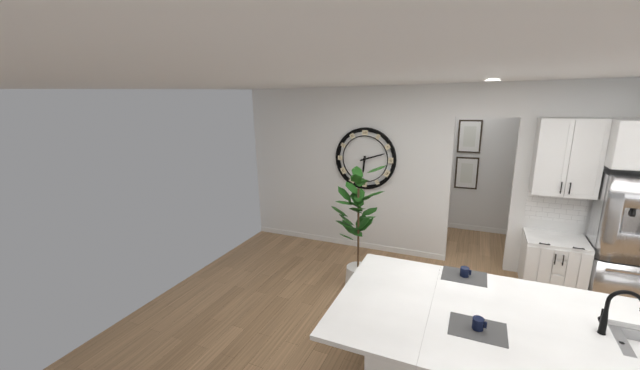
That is 6h12
